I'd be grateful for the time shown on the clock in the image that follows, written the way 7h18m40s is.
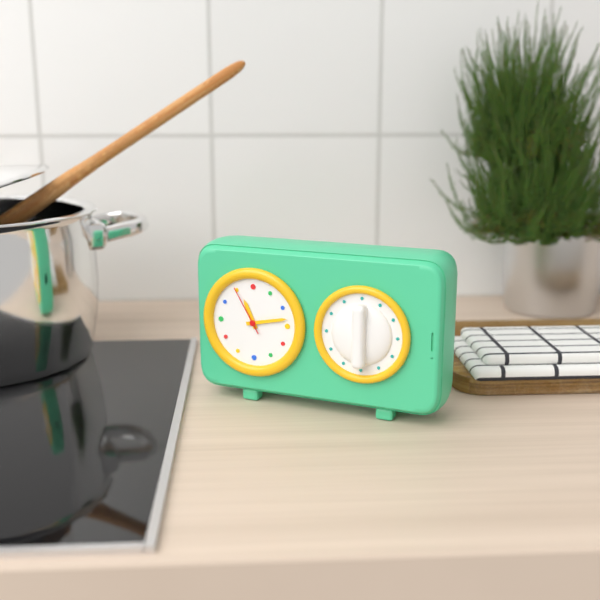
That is 11h13m55s
